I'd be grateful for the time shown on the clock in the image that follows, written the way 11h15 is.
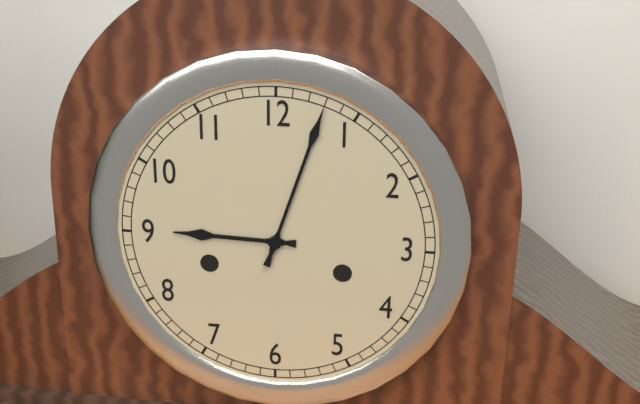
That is 9h03
